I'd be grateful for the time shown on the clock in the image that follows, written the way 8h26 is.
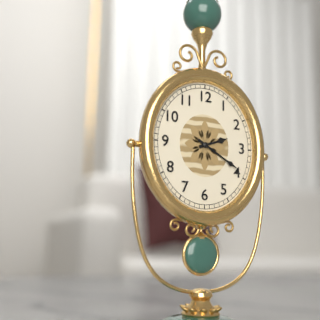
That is 2h20
